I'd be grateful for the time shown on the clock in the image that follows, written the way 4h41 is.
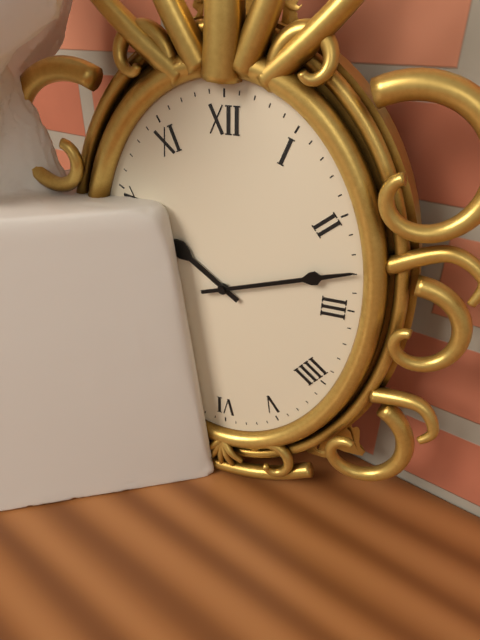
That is 10h12
